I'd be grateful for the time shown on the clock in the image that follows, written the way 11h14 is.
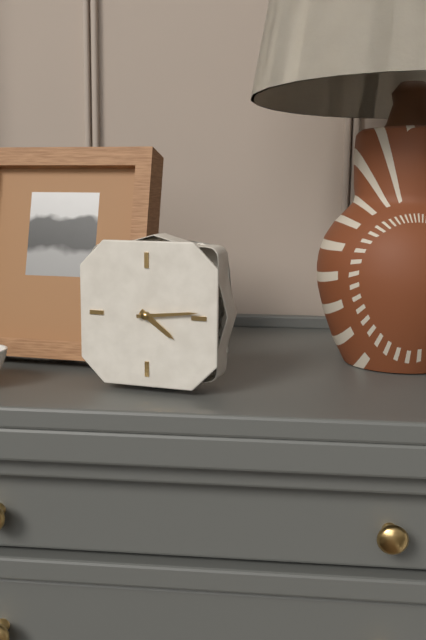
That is 4h14
